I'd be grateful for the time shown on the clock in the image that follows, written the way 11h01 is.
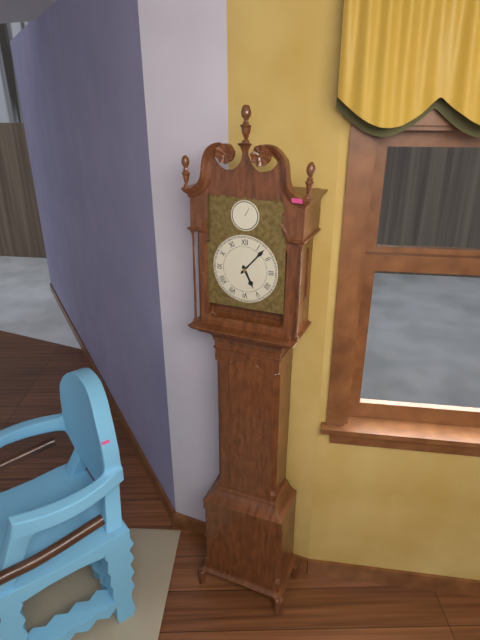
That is 5h07
